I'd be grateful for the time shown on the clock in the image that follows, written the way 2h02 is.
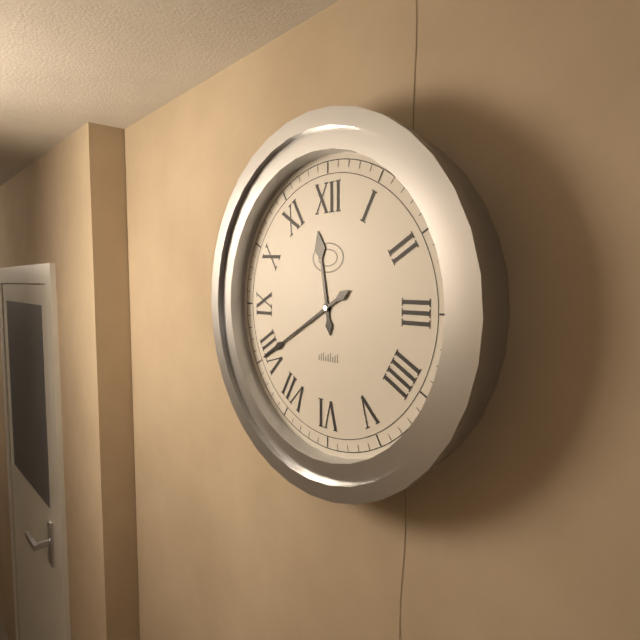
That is 11h40
